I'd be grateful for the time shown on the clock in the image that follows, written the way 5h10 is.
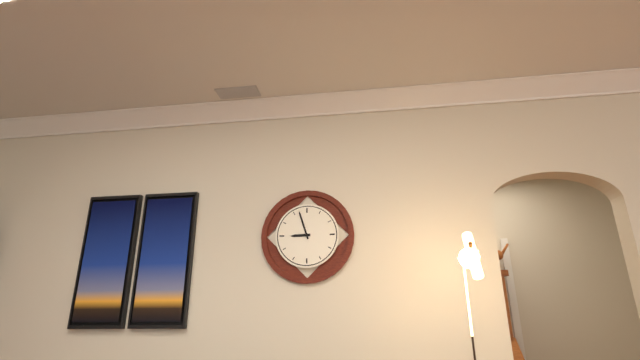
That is 8h57
